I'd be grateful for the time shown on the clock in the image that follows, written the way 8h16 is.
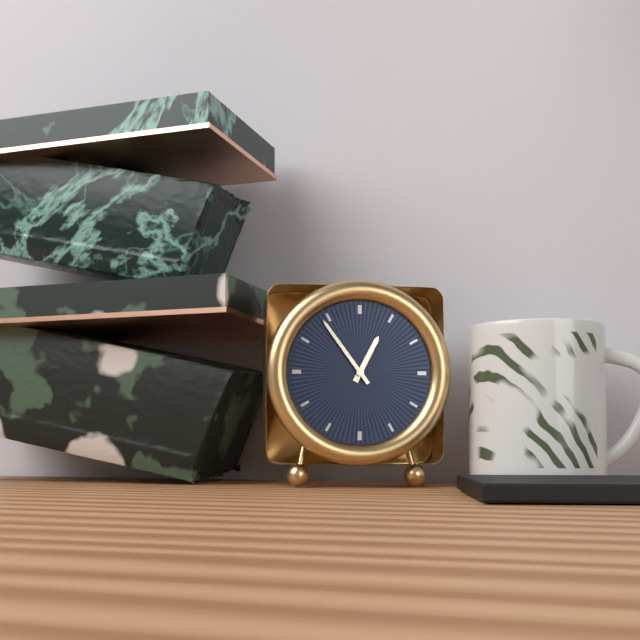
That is 12h54
